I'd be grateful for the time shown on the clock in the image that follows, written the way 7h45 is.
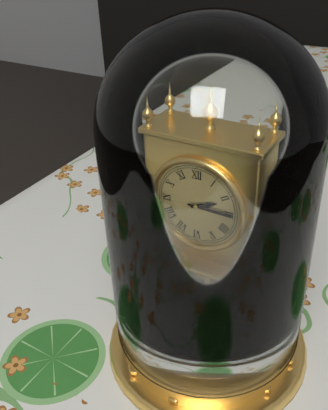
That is 2h15
